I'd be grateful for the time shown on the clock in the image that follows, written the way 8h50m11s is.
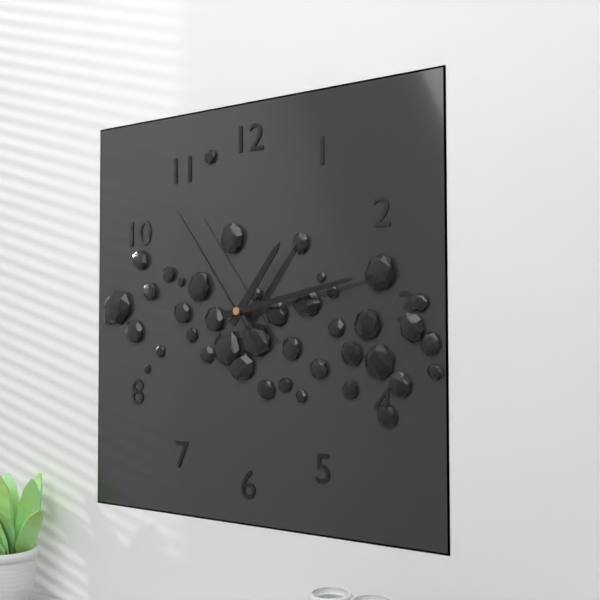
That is 1h13m54s
